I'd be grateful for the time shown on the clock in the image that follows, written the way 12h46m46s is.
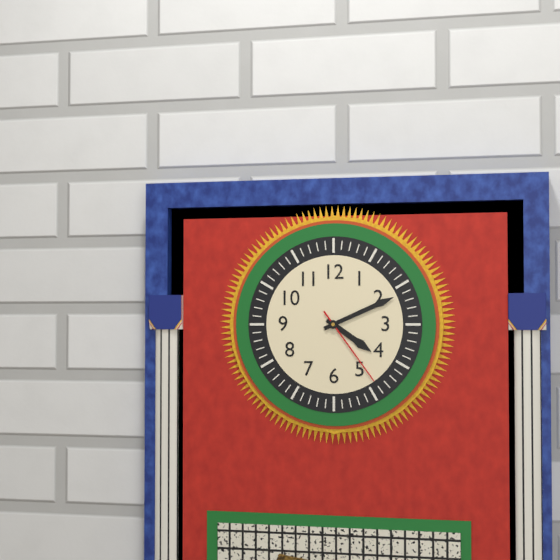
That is 4h11m24s
